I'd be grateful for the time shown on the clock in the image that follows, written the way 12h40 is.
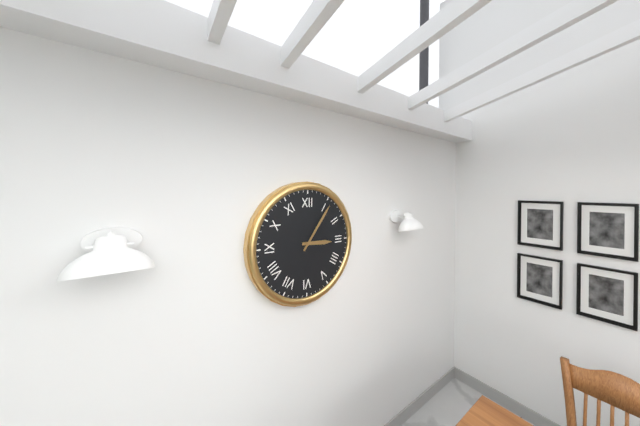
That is 3h06
